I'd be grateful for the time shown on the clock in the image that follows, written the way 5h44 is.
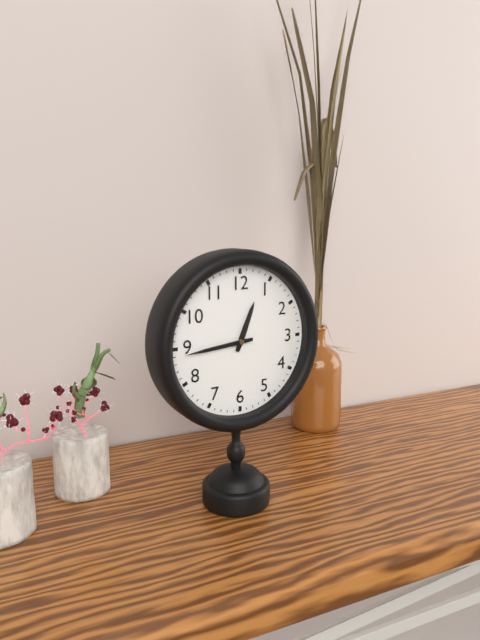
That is 12h44
